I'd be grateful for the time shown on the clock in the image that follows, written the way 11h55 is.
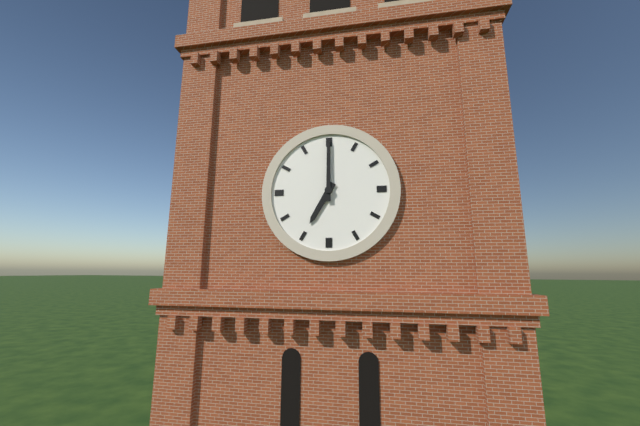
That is 7h00
